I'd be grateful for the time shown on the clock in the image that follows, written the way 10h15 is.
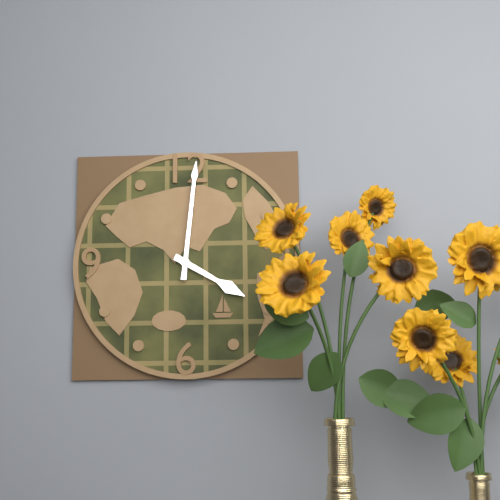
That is 4h01
